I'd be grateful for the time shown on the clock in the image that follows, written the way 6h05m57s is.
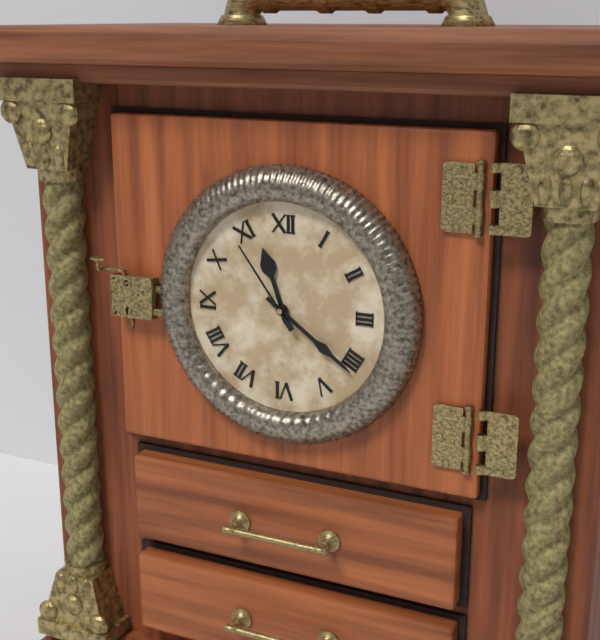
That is 11h21m54s
